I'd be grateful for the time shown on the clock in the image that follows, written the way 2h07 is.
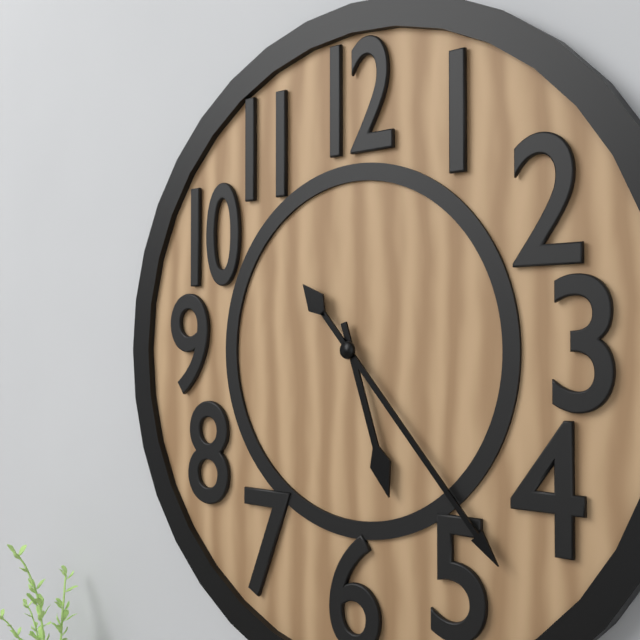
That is 5h23
